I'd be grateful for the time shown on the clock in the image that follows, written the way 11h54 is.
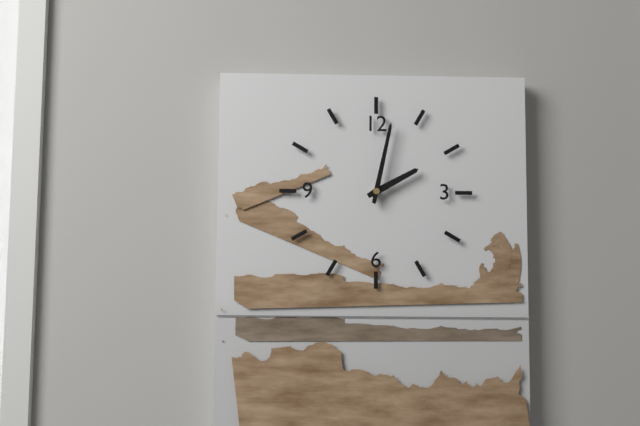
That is 2h02
